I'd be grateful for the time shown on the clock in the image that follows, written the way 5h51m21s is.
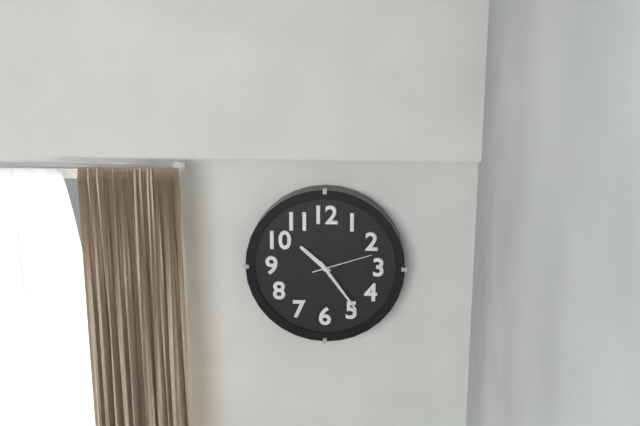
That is 10h24m12s
